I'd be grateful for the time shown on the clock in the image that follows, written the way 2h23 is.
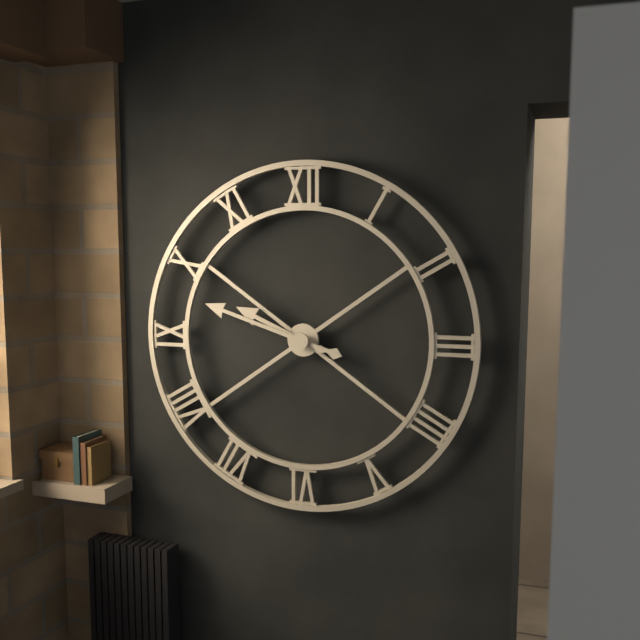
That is 9h48
